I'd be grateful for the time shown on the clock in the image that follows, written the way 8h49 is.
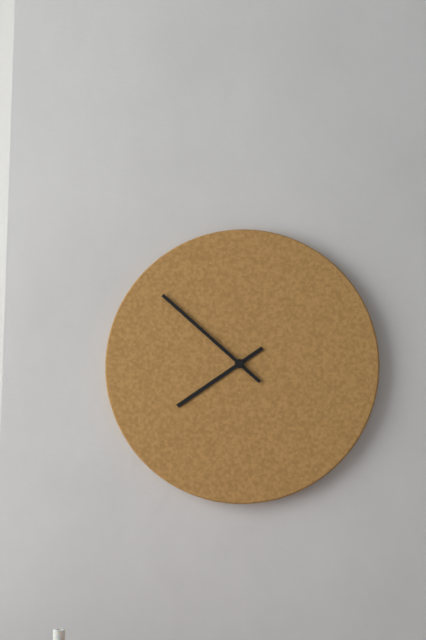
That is 7h52
